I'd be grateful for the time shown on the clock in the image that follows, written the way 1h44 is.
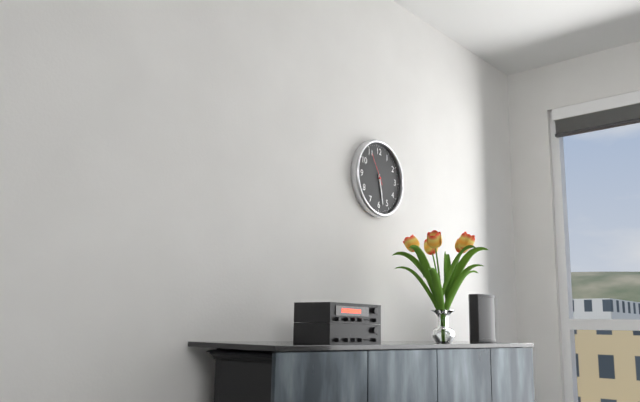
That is 5h28
